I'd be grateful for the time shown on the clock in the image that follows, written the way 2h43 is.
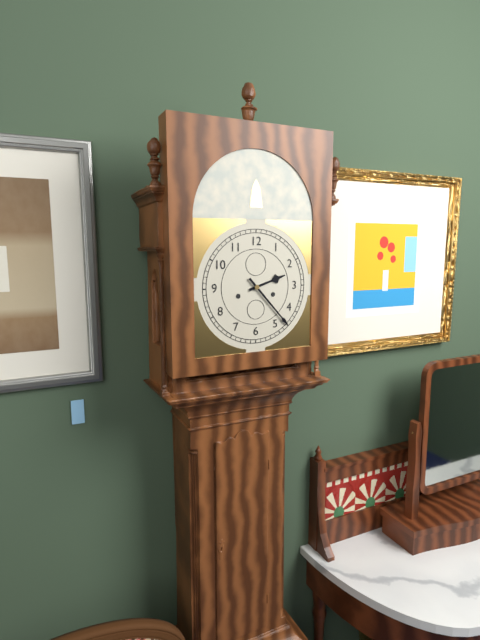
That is 2h23
